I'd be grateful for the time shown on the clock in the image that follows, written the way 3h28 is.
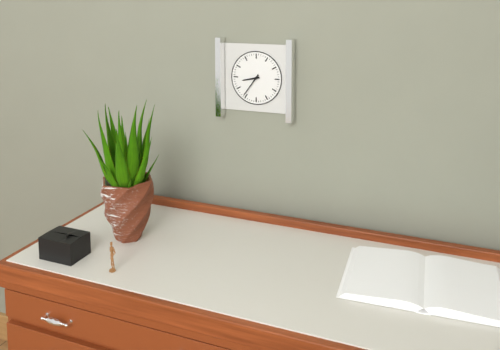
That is 8h36
